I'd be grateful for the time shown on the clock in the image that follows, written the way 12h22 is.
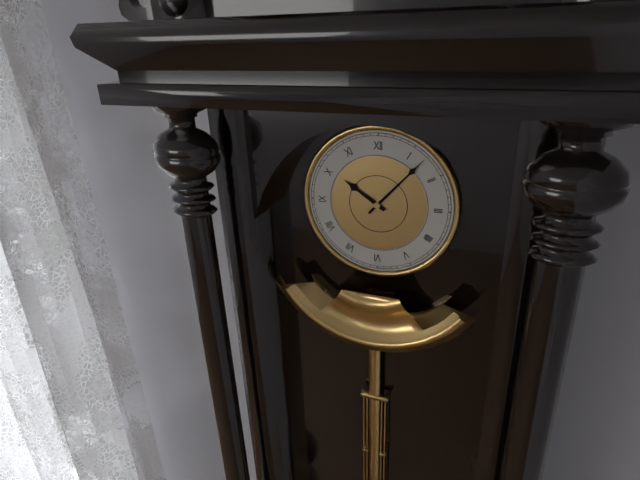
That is 10h07
